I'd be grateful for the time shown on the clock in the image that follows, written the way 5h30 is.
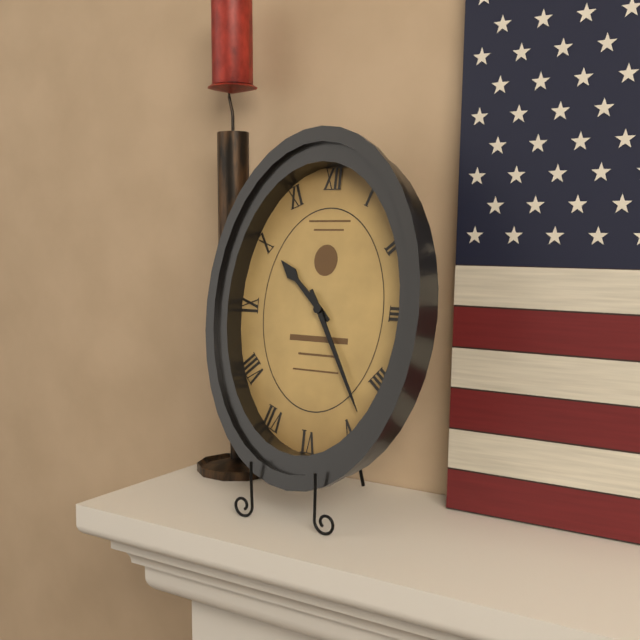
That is 10h25
